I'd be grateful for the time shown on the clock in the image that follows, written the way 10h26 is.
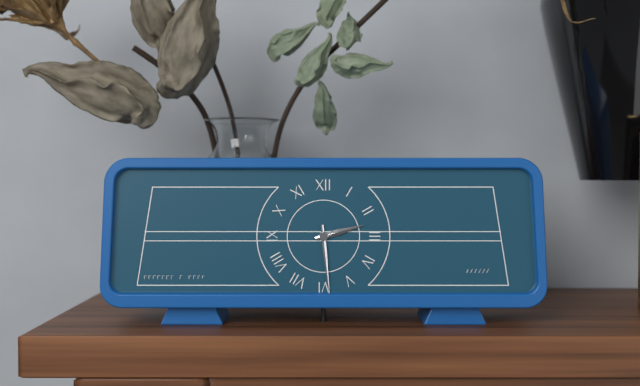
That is 2h29
